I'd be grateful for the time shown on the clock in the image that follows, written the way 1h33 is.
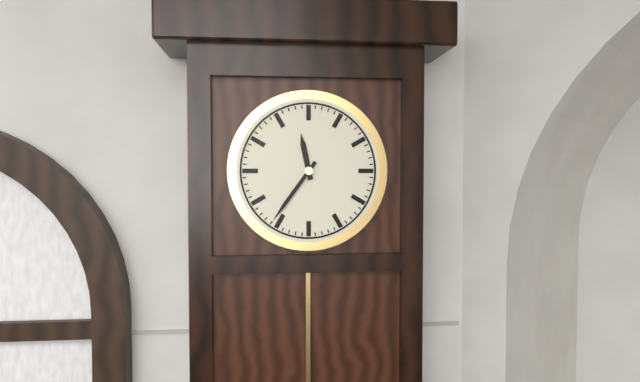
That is 11h36
